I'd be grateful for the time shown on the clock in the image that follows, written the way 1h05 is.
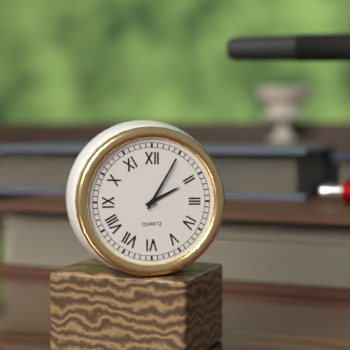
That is 2h05
